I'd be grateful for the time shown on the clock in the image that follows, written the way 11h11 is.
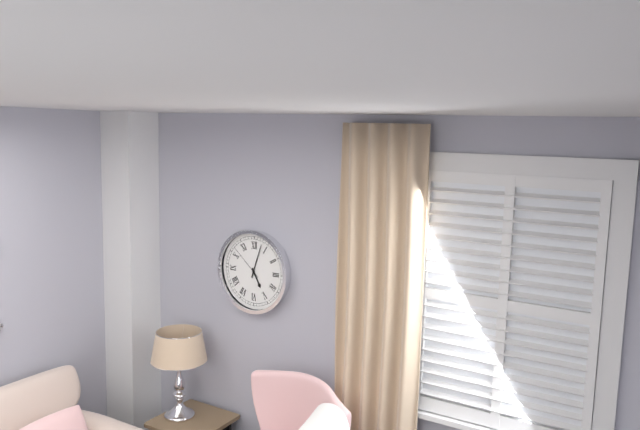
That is 5h03
